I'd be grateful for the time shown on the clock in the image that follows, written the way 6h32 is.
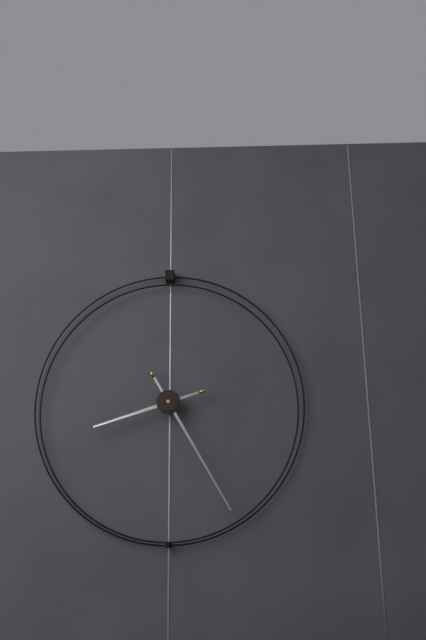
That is 8h25
